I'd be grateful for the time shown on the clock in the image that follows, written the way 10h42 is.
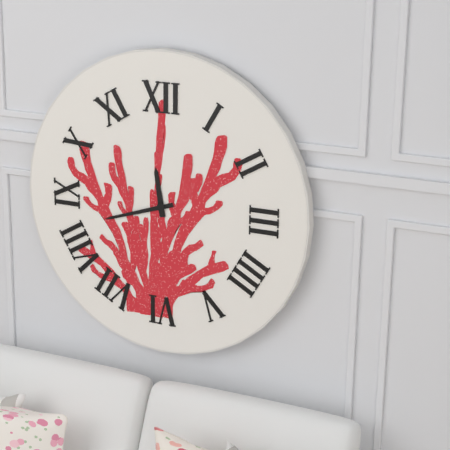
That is 11h42
